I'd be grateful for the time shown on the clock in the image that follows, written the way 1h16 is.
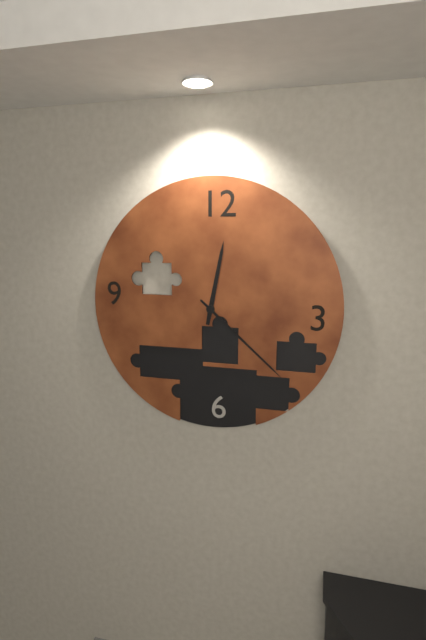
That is 12h22
